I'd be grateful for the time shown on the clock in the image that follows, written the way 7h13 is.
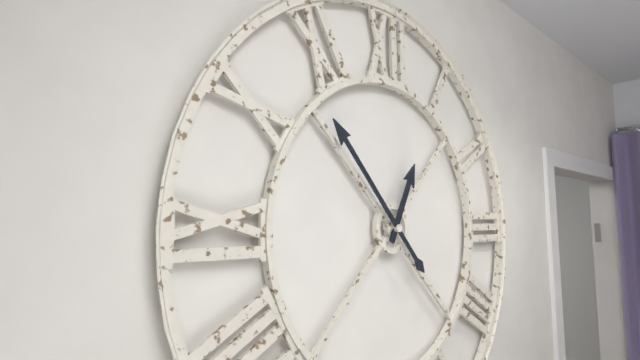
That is 12h53
